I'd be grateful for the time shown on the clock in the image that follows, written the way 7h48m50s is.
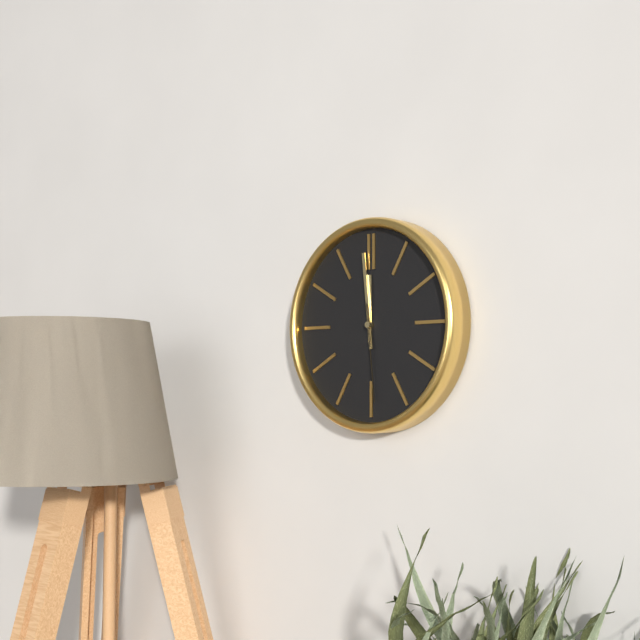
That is 11h59m29s
